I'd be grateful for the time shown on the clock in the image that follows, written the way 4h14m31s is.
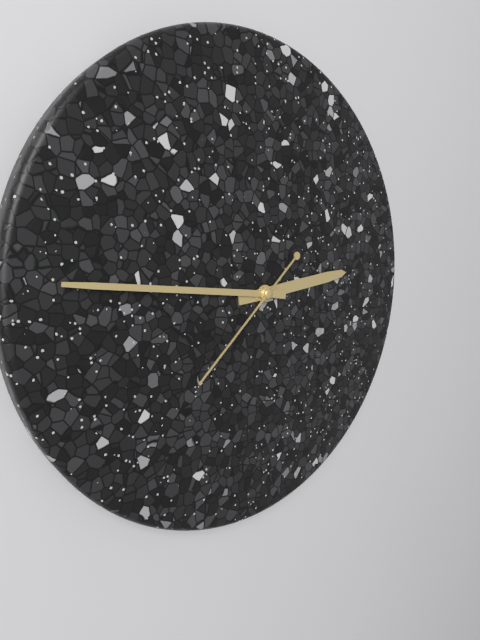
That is 2h46m38s
